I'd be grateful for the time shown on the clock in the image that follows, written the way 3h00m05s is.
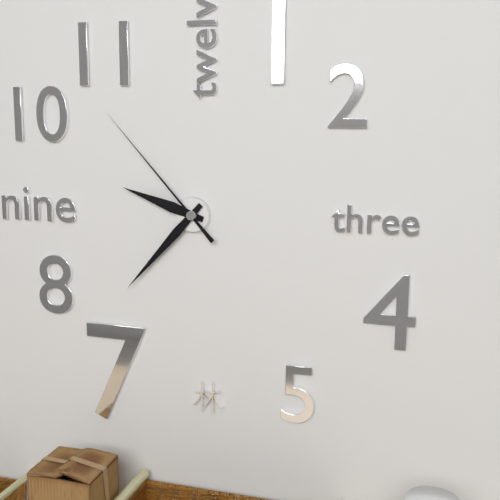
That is 9h37m53s
